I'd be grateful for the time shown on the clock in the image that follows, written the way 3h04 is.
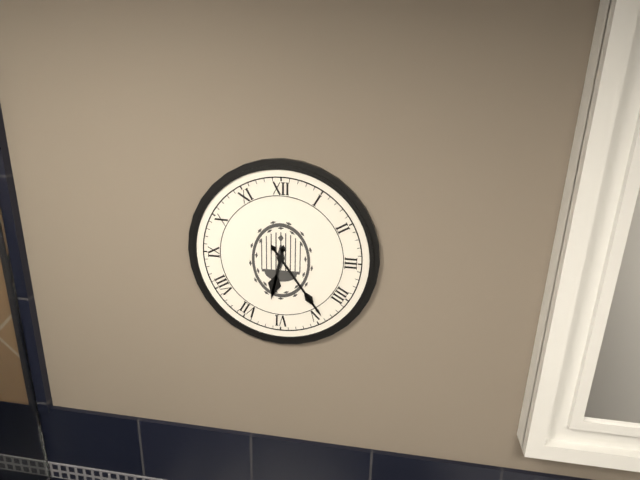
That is 6h24
